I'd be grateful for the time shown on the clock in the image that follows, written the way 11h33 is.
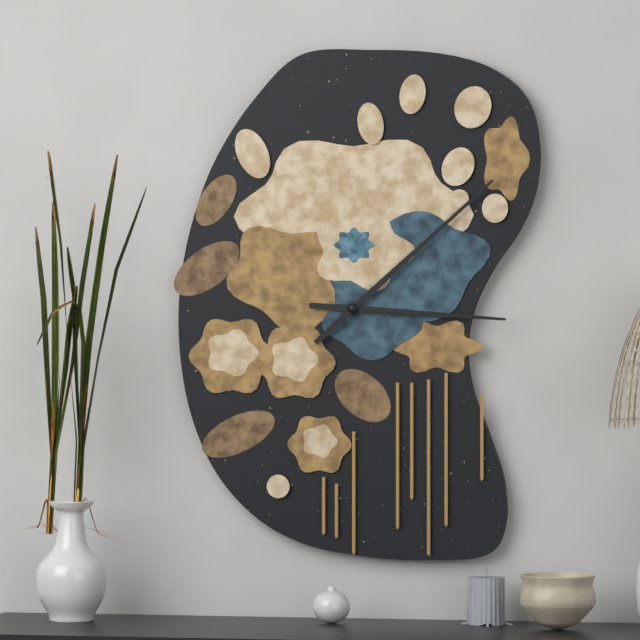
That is 3h08
